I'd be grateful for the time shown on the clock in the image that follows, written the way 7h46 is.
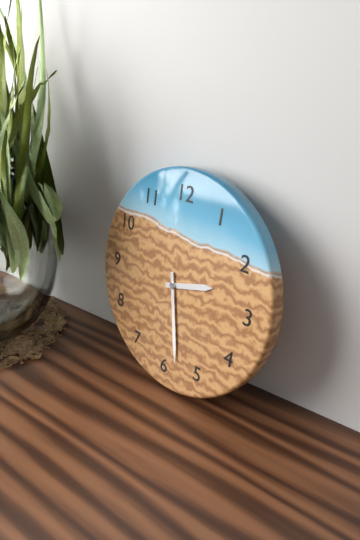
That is 2h28
